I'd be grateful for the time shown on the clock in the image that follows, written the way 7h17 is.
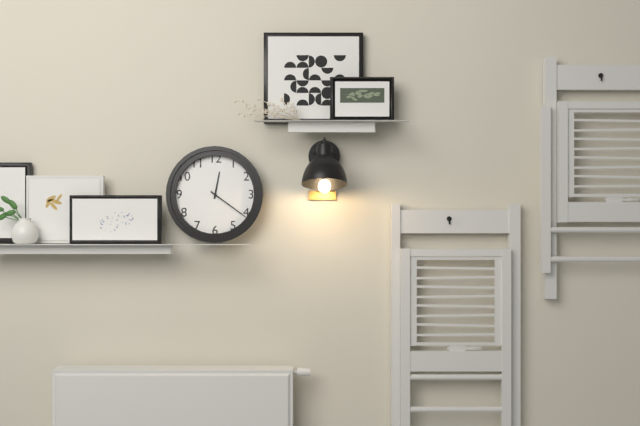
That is 12h21
